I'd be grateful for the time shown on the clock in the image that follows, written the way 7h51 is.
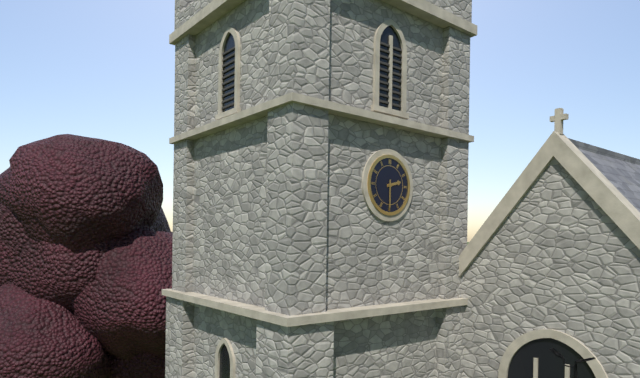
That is 2h30
